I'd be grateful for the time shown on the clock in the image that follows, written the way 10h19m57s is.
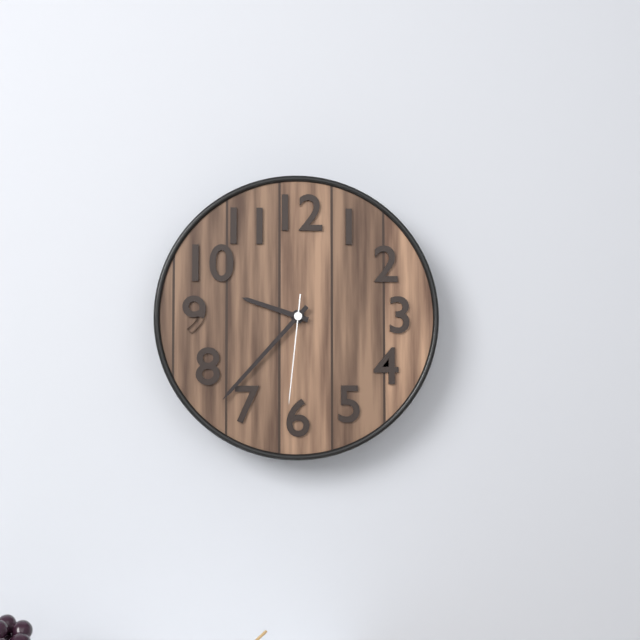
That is 9h37m31s
